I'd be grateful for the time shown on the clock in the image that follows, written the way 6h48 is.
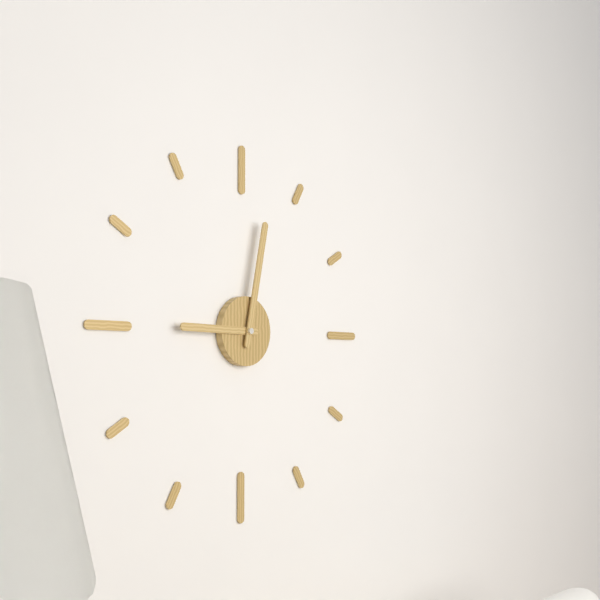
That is 9h02
